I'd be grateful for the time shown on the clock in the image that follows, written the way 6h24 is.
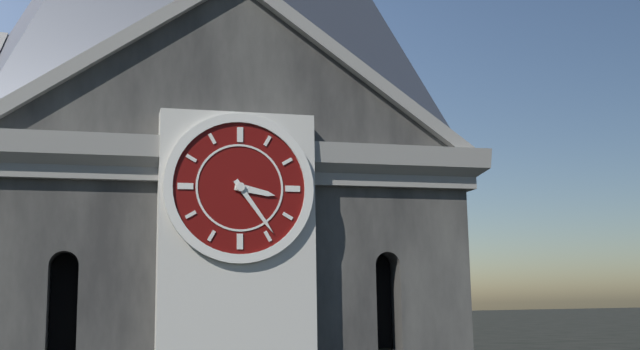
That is 3h24
